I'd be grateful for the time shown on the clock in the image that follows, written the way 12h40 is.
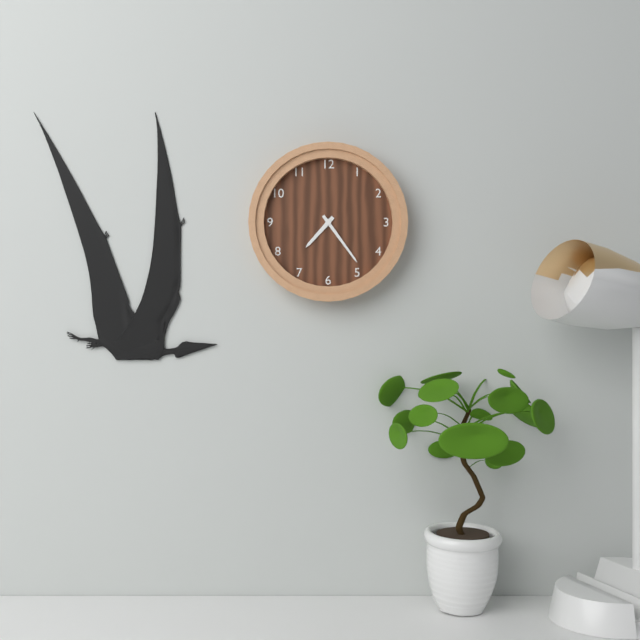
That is 7h24
